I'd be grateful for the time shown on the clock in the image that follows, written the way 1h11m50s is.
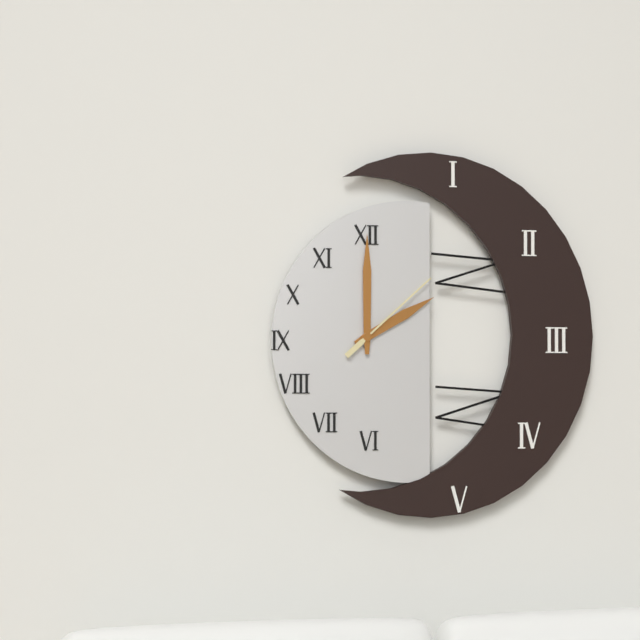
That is 2h00m08s
